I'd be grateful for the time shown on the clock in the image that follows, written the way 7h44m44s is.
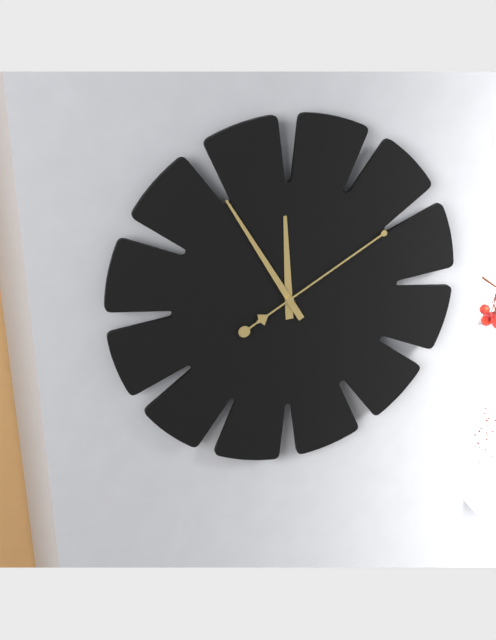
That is 11h55m10s
